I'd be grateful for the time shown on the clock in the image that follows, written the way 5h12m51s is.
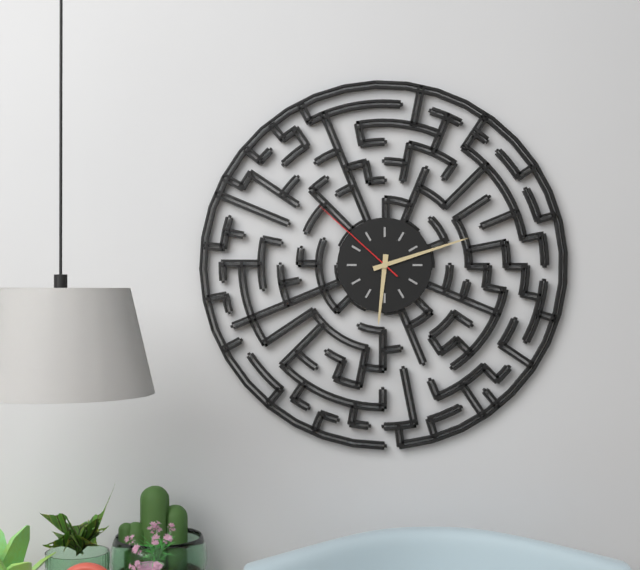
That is 6h12m52s
